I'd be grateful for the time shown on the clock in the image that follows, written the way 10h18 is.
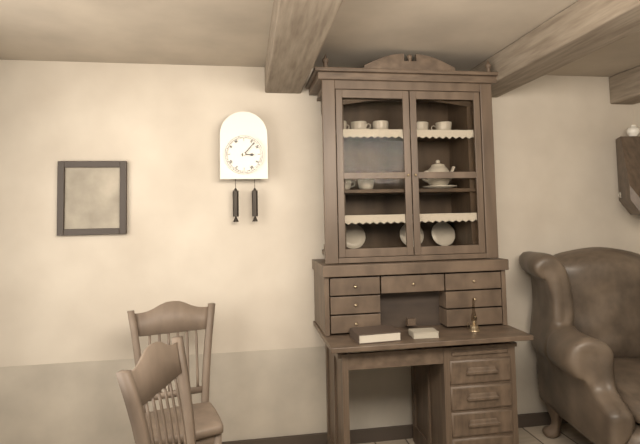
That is 3h07
